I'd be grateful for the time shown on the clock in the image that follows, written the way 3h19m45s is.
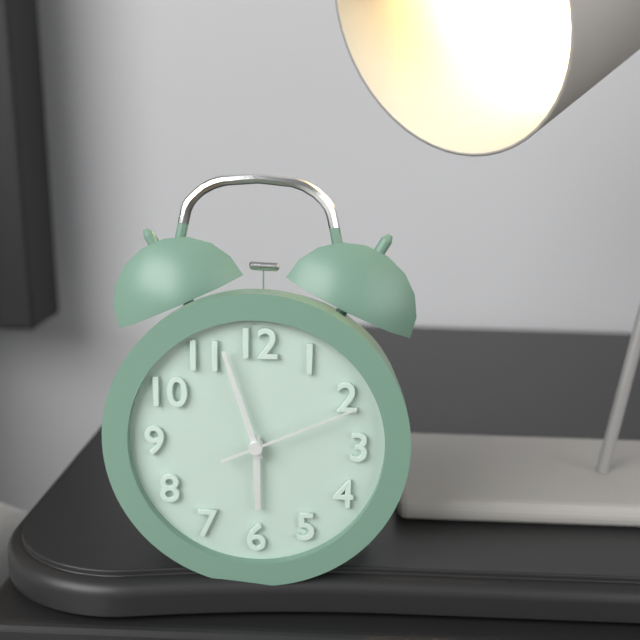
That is 5h57m11s
